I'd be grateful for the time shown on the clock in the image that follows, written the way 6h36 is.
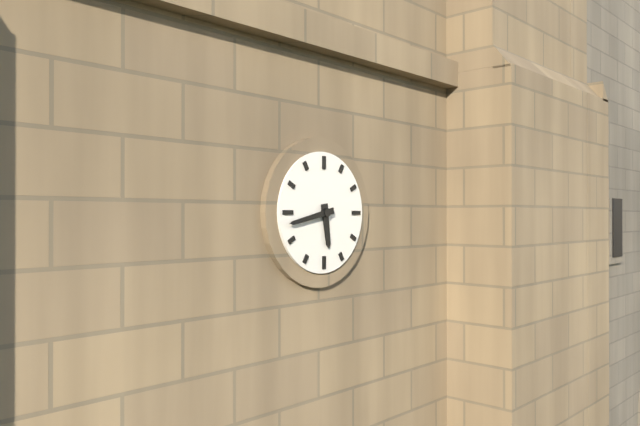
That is 5h43
